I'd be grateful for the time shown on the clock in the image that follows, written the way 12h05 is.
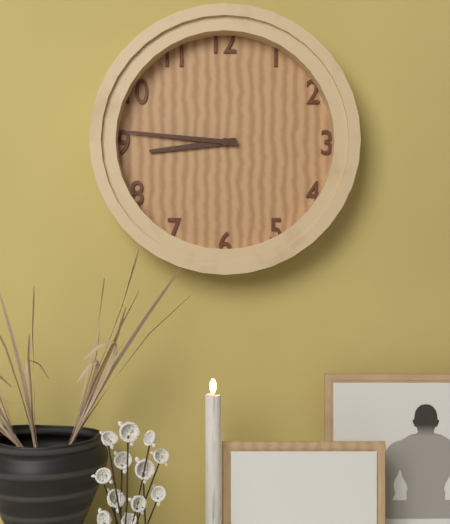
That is 8h46
